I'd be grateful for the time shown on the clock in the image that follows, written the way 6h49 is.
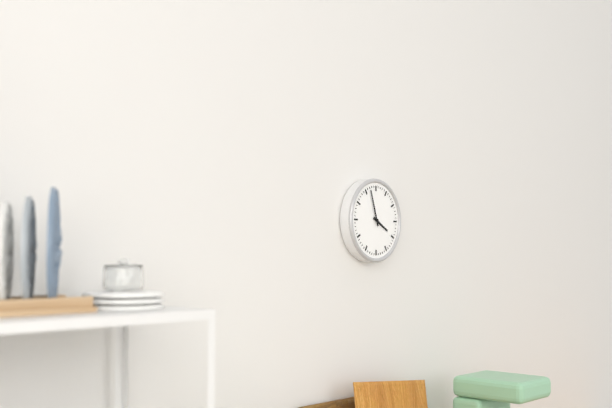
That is 3h57
